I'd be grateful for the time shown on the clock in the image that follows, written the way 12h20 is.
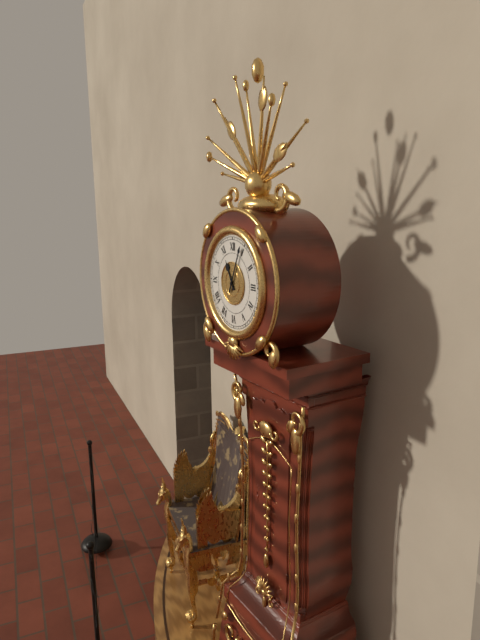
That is 11h04
